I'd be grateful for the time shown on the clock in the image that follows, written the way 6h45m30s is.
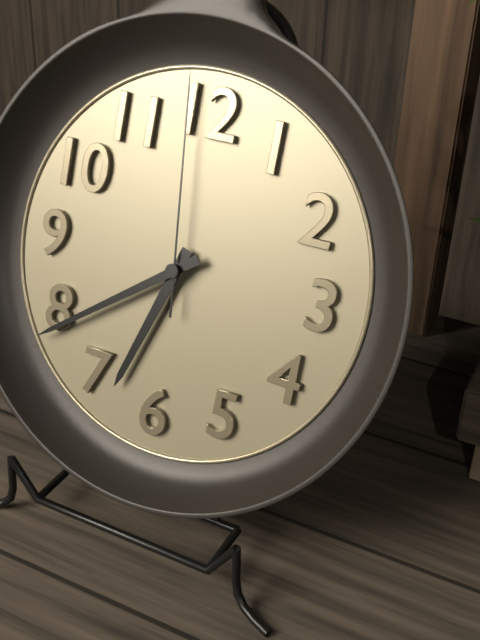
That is 6h39m59s
